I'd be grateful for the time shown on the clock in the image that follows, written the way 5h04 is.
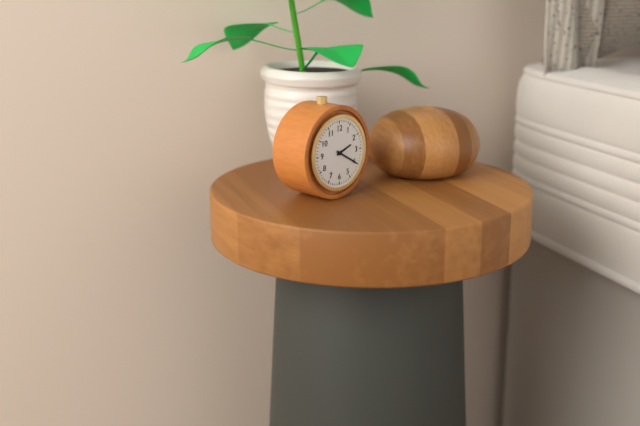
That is 2h20
